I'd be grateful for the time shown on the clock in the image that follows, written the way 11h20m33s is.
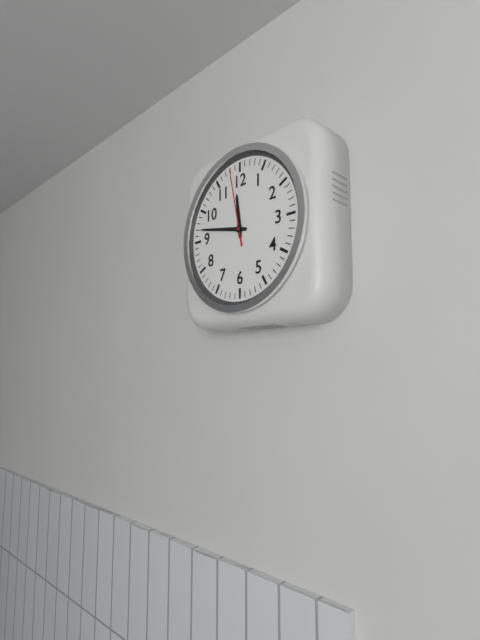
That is 11h47m58s
